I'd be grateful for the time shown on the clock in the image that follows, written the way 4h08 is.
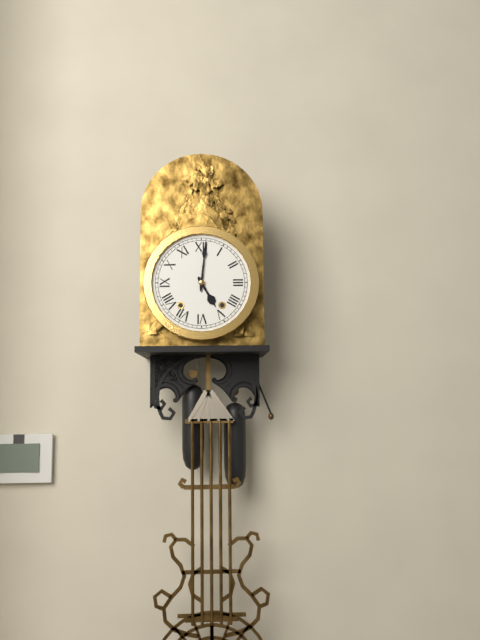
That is 5h01
